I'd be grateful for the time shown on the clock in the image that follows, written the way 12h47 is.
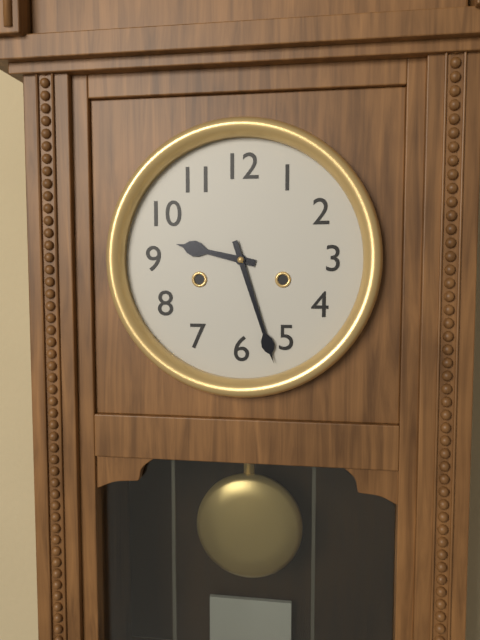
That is 9h27
